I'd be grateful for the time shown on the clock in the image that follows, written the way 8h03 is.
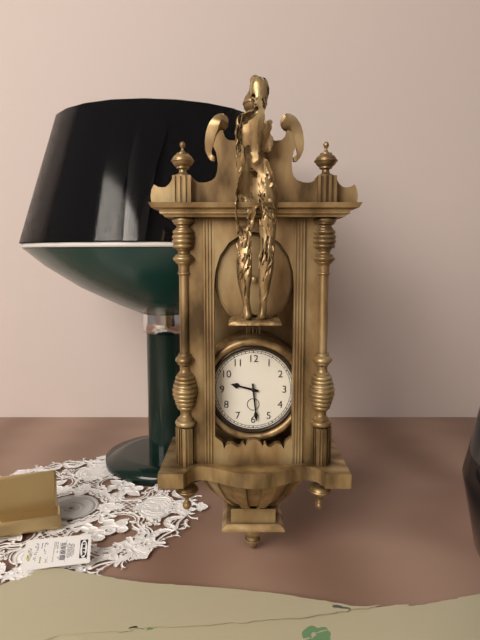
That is 9h29
